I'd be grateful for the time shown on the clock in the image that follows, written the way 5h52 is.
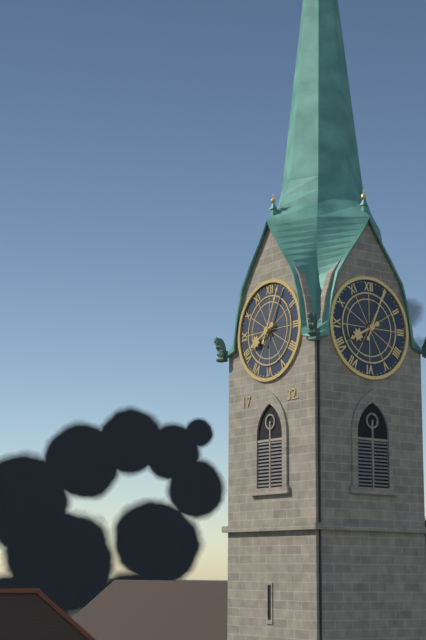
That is 8h04
